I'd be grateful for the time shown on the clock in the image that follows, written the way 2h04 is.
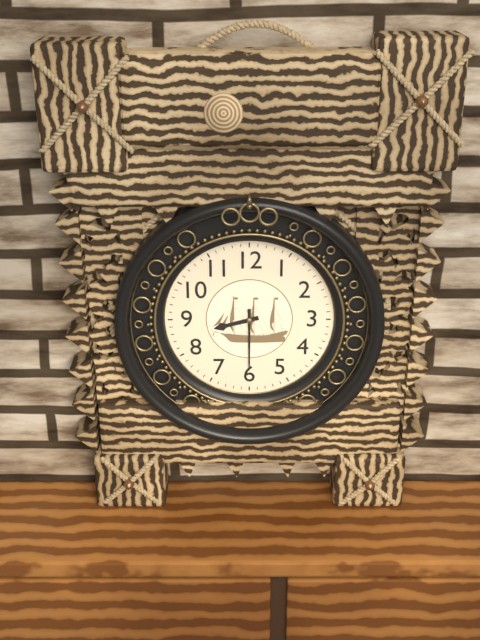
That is 8h30
